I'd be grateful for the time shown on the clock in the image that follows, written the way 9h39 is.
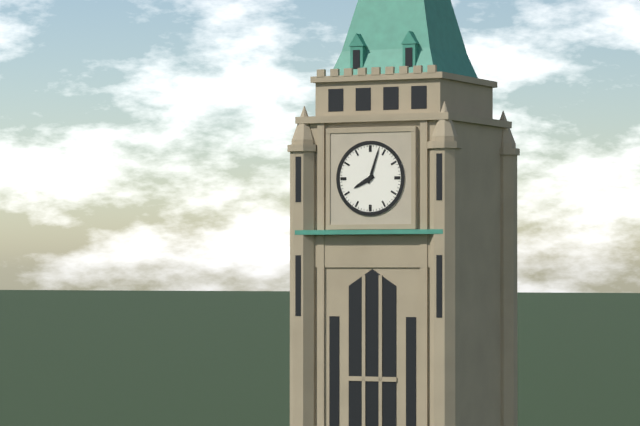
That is 8h03
